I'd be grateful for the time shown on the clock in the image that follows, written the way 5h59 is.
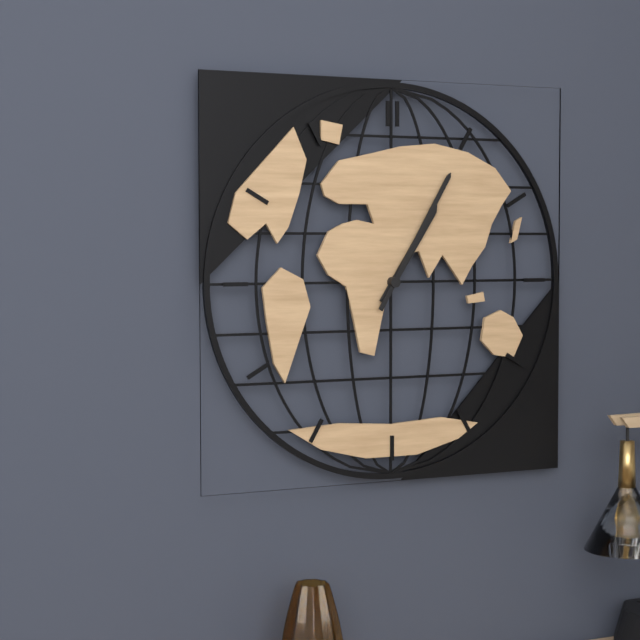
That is 1h05
